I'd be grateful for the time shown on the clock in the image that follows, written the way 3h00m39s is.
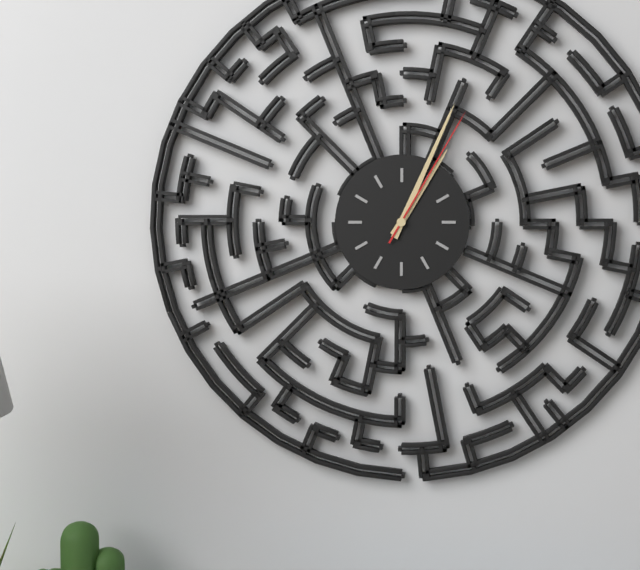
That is 1h04m05s
